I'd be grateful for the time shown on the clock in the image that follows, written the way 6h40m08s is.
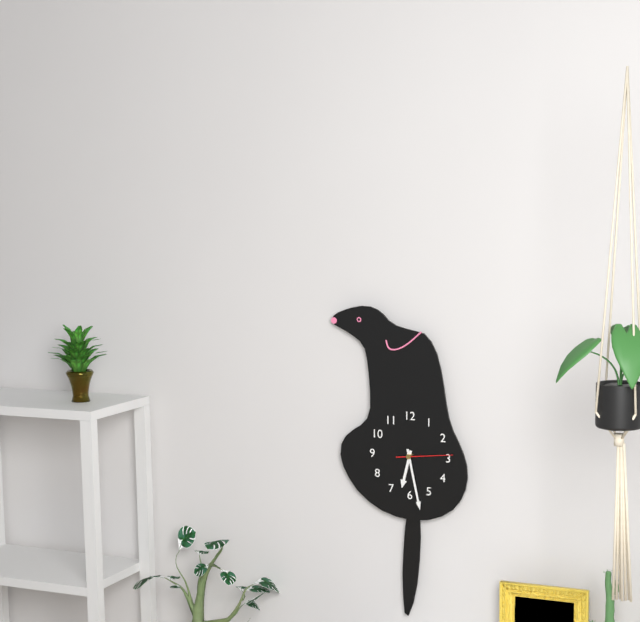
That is 6h28m14s
